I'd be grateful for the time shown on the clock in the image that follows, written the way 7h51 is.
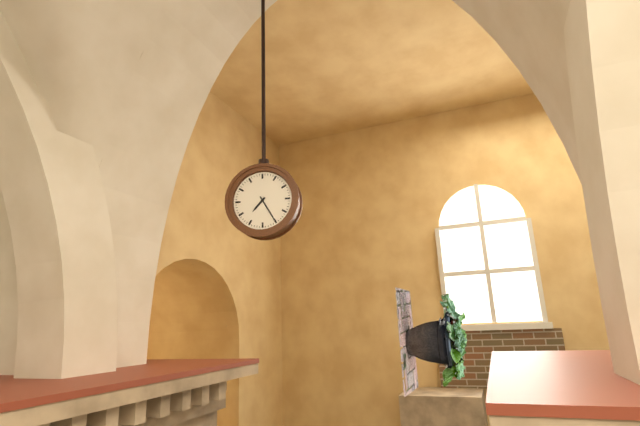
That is 7h25
